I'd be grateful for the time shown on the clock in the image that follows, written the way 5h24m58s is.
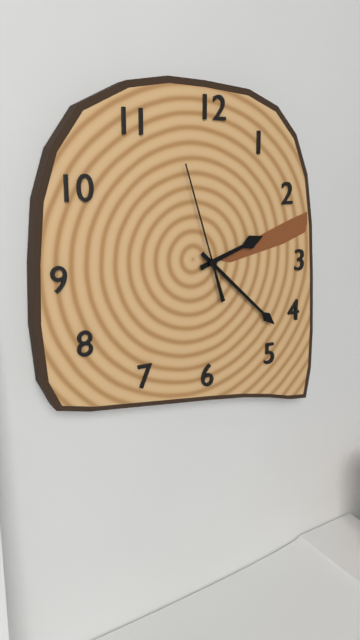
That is 2h22m57s
